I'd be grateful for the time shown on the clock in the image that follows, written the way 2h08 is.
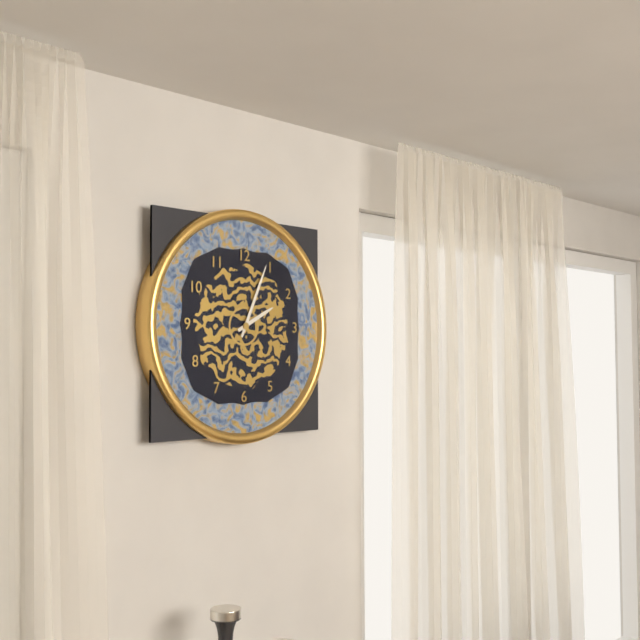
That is 2h04
